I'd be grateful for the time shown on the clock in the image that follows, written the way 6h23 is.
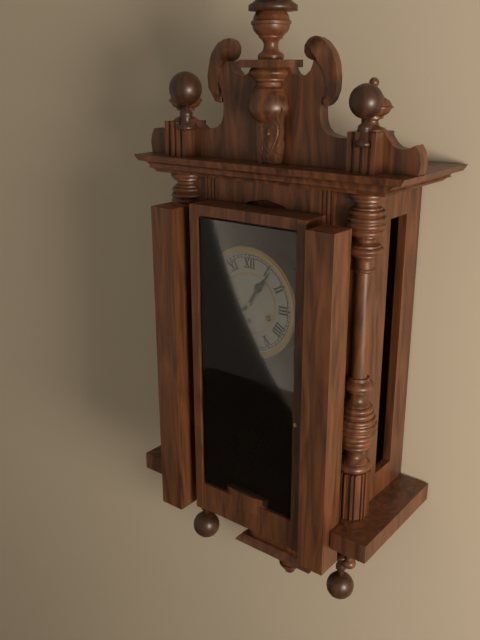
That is 1h06
